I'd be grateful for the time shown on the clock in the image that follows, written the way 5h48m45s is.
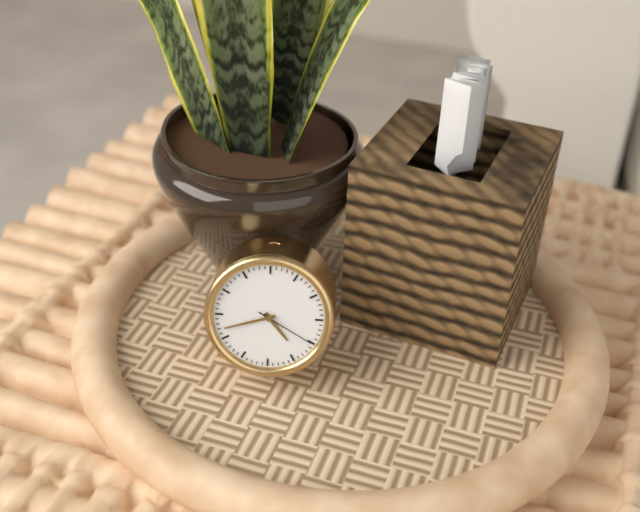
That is 4h42m20s
